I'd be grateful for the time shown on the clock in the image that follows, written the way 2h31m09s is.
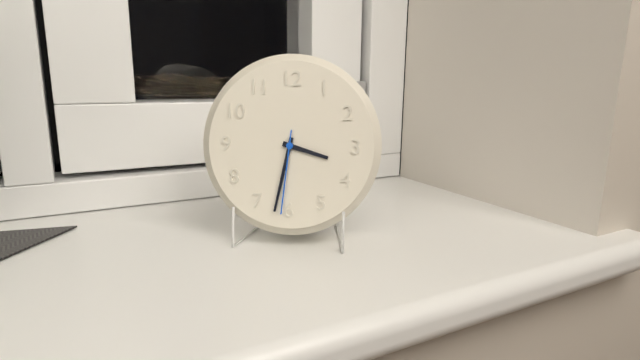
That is 3h32m31s
